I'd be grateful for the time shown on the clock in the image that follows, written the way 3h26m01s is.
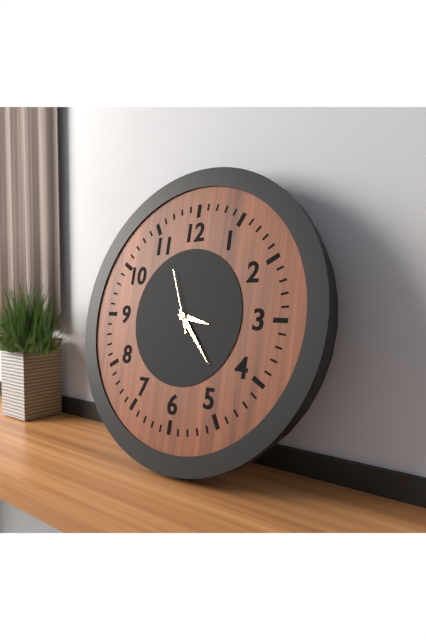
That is 3h23m56s
